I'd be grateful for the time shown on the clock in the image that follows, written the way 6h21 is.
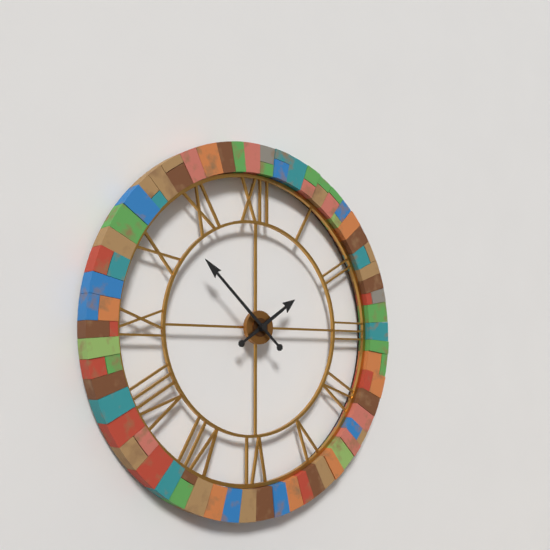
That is 1h52
